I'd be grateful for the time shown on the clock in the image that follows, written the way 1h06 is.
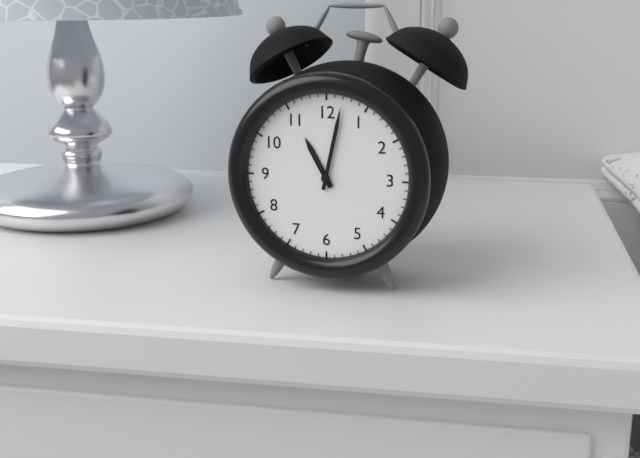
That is 11h02
